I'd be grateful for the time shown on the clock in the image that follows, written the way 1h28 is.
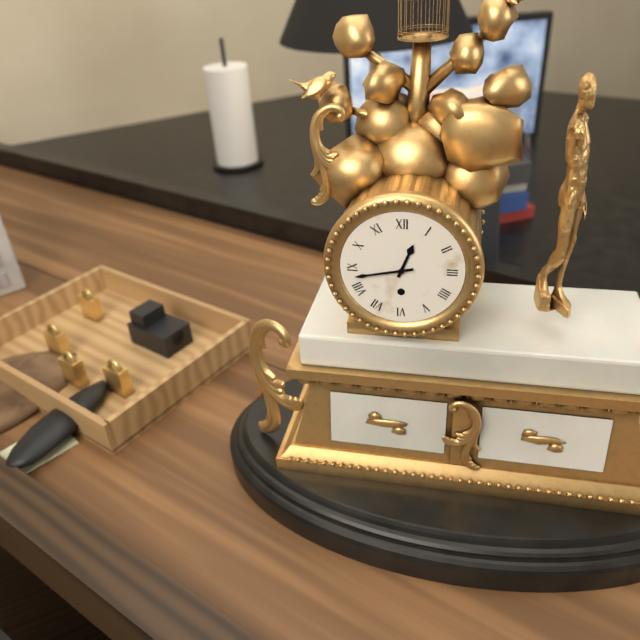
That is 12h43
